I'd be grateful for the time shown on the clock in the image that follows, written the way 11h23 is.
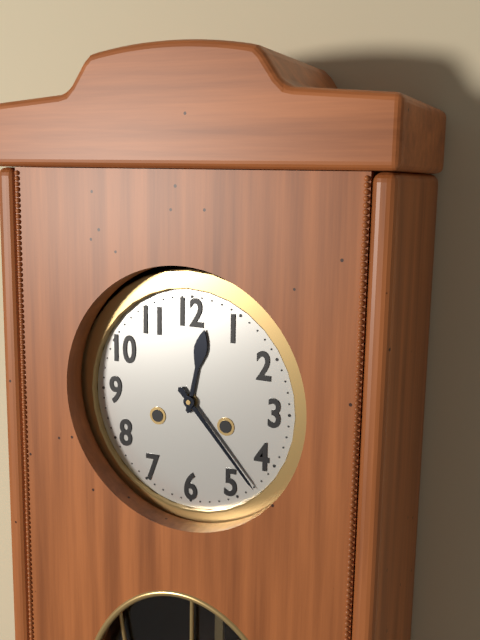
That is 12h23
